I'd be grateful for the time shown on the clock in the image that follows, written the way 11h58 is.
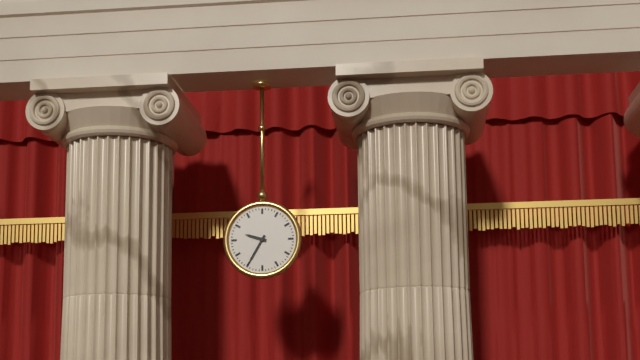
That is 9h35
